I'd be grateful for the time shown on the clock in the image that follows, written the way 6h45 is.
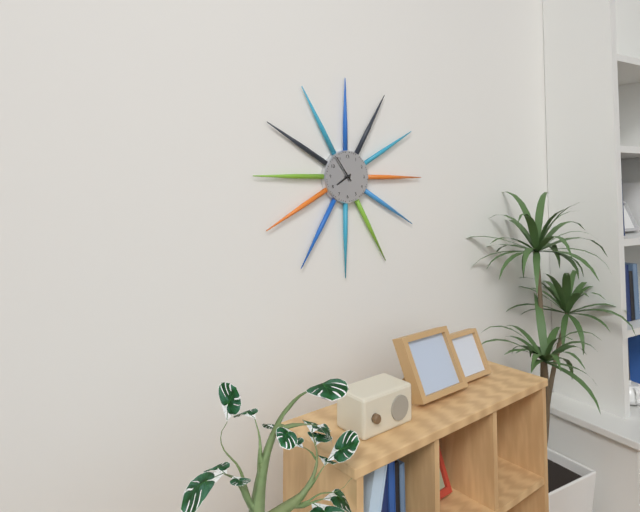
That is 7h54
